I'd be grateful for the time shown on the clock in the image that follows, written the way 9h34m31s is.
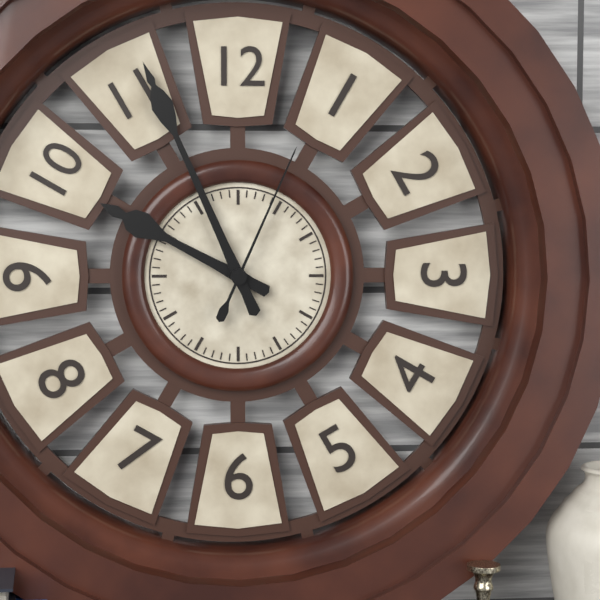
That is 9h56m04s
